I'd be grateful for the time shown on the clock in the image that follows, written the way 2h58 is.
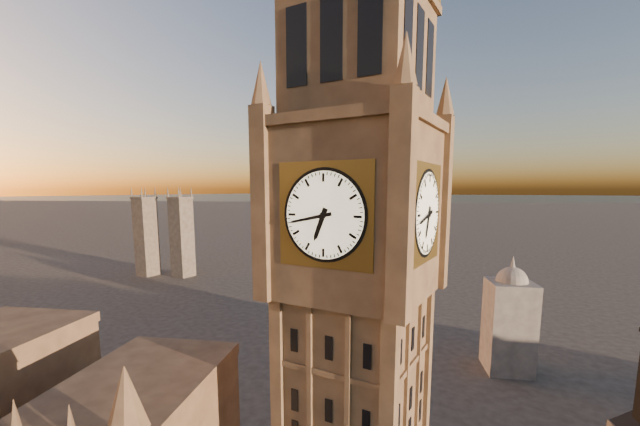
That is 6h43
